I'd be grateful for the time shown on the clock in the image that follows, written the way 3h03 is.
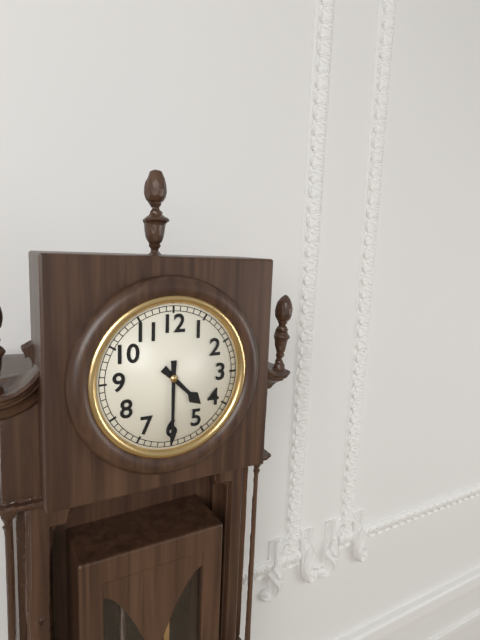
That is 4h30
